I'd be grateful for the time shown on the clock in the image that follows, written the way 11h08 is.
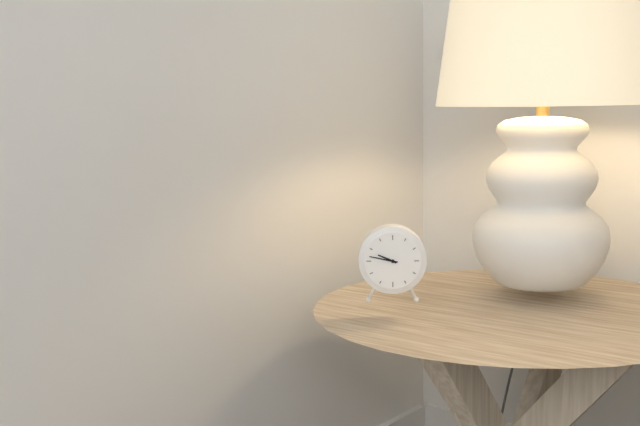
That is 9h47
